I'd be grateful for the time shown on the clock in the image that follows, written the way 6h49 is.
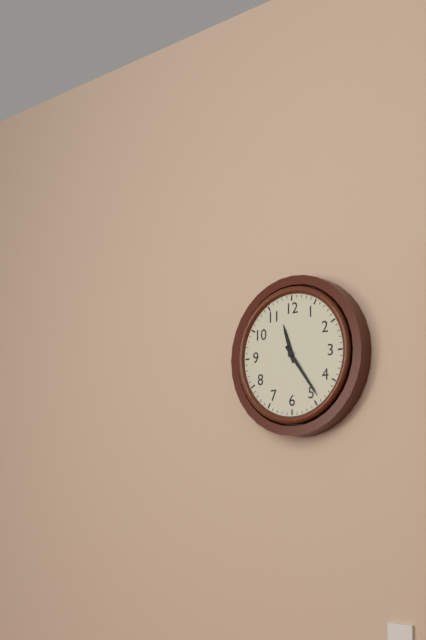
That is 11h24
